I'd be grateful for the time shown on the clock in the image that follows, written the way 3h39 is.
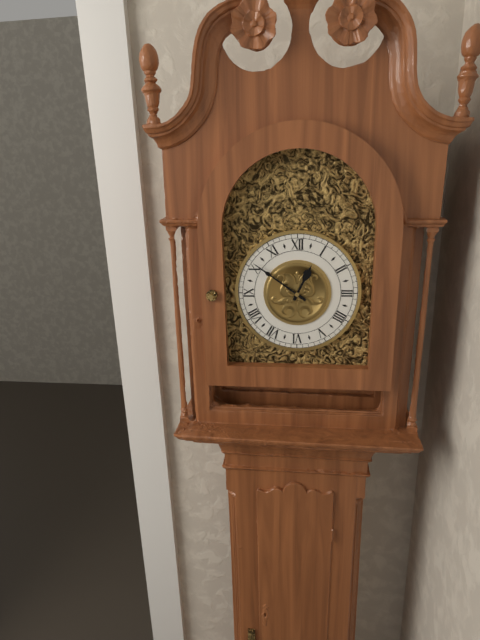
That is 12h51
